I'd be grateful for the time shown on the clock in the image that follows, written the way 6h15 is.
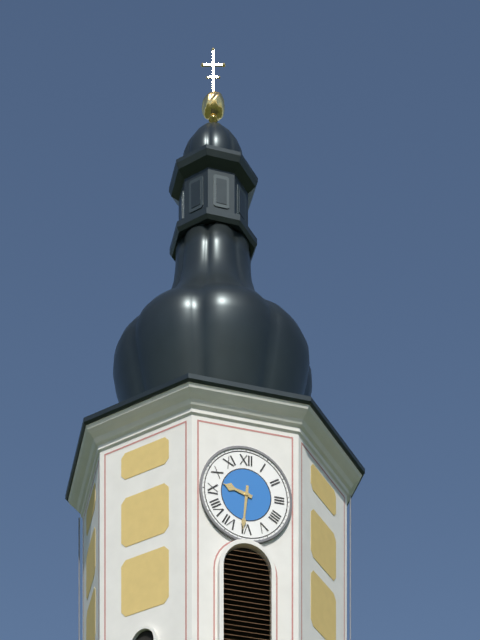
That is 9h31
